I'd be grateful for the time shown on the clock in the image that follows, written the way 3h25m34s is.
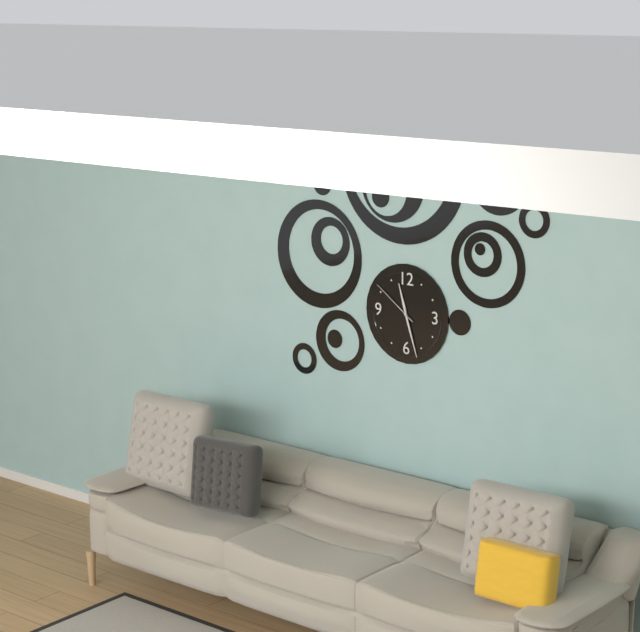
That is 11h27m51s
